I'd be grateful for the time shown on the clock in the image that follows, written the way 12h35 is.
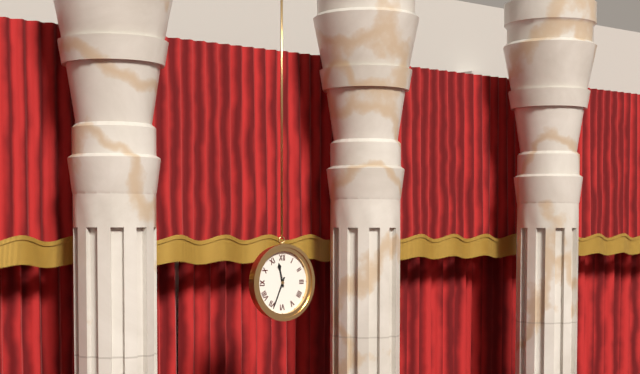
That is 11h34
